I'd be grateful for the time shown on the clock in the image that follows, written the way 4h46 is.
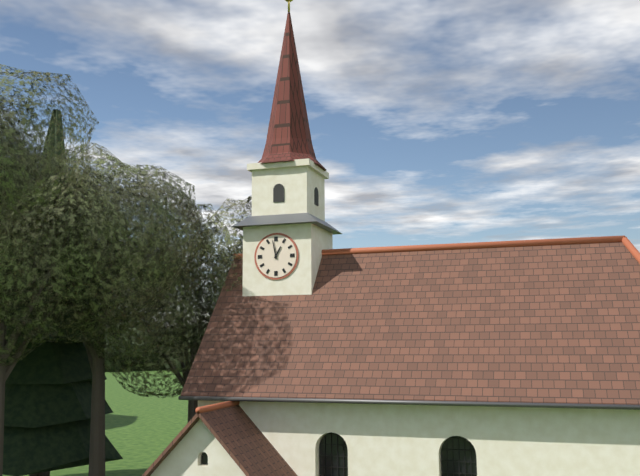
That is 12h58
